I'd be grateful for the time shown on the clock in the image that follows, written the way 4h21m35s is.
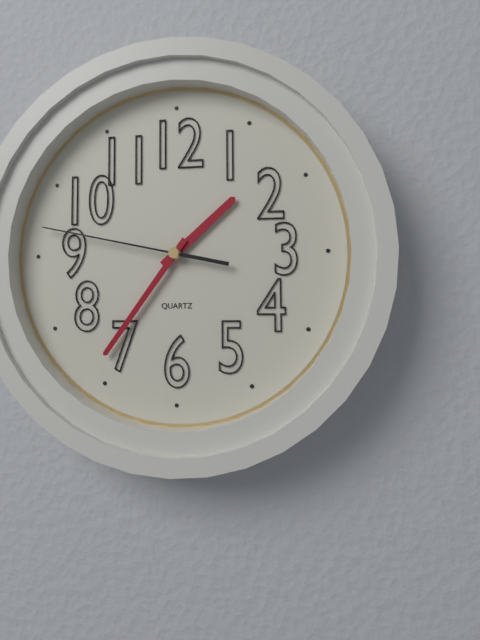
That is 1h36m47s
